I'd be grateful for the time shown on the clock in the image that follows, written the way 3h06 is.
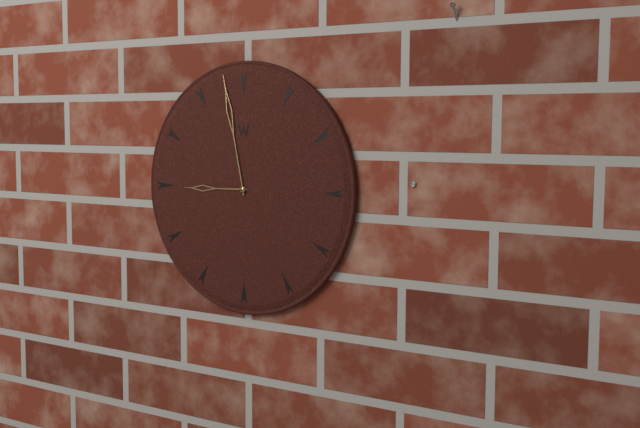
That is 8h58
